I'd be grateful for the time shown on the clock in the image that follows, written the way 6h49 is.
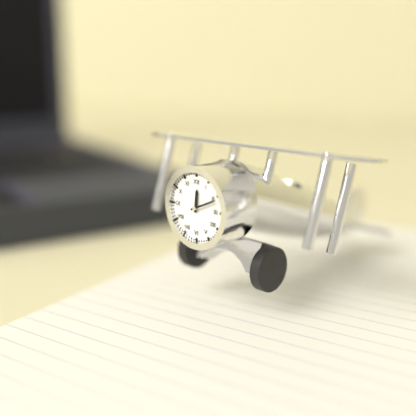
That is 12h11
